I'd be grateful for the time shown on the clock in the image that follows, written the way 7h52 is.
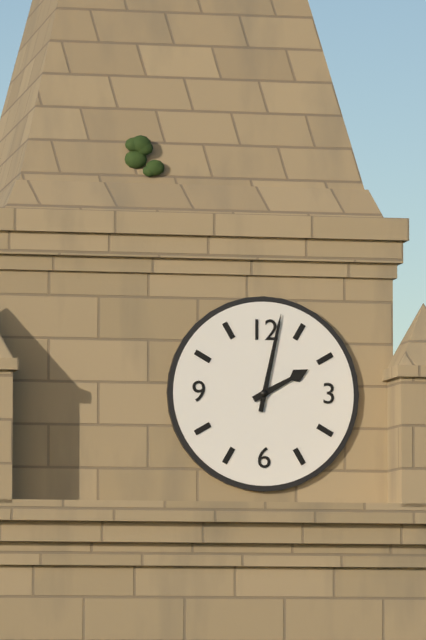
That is 2h02
